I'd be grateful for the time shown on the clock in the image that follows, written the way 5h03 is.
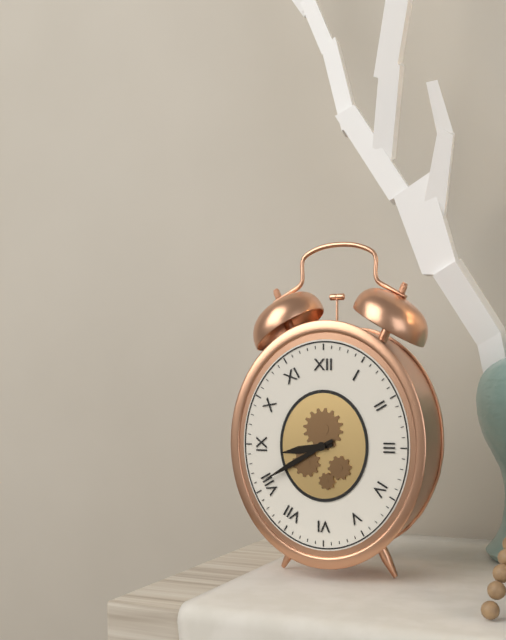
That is 8h40
